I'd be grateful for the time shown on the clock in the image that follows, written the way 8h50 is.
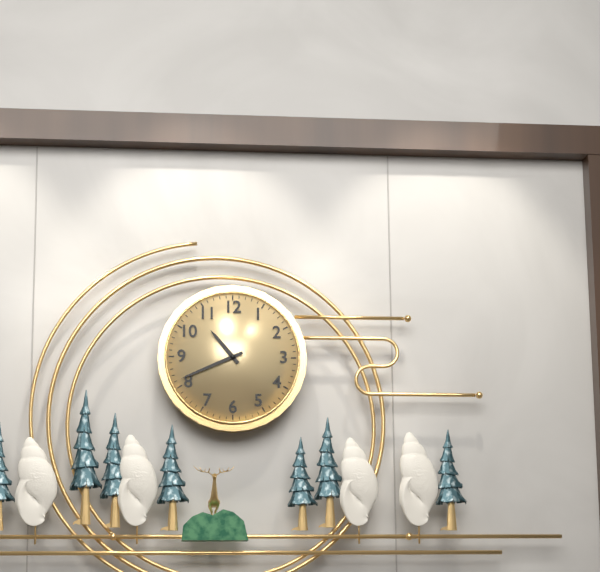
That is 10h41
